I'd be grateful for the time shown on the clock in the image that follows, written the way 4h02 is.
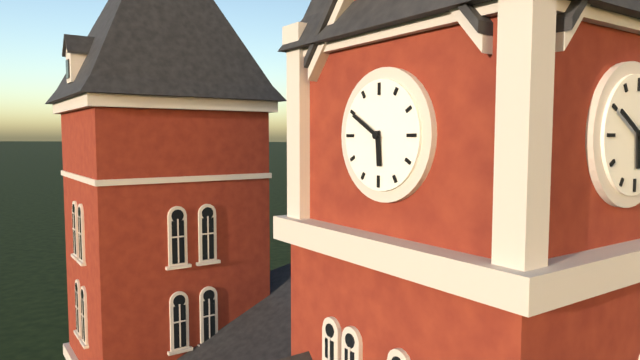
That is 5h50
